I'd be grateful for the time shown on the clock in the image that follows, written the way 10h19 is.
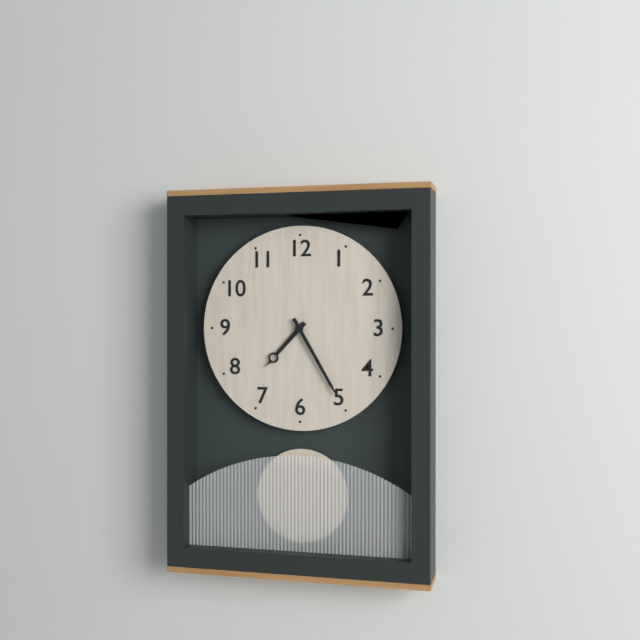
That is 7h25
